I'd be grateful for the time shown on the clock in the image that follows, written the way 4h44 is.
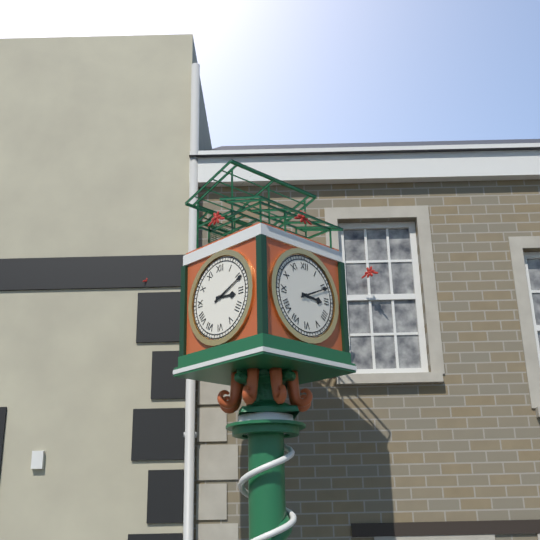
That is 3h11
